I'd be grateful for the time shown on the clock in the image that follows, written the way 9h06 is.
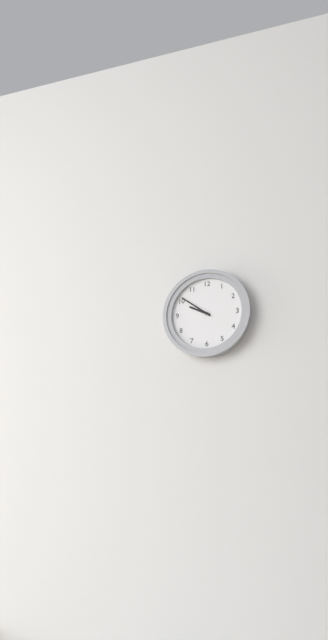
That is 9h51
